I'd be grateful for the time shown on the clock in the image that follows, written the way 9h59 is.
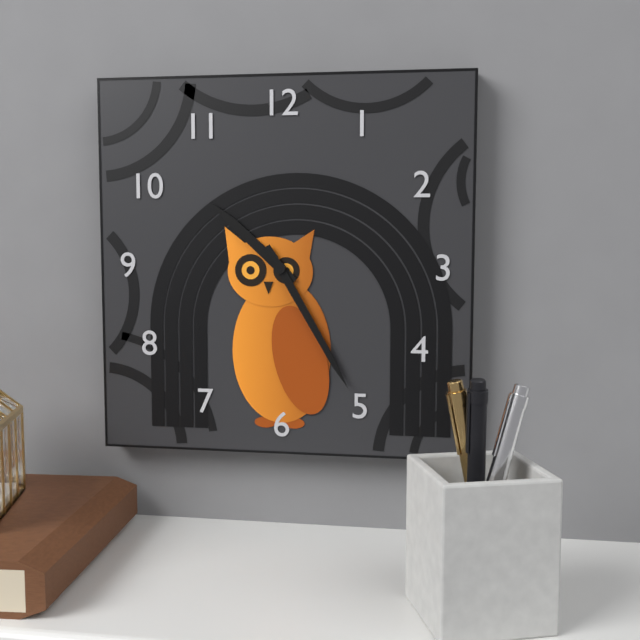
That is 10h25
